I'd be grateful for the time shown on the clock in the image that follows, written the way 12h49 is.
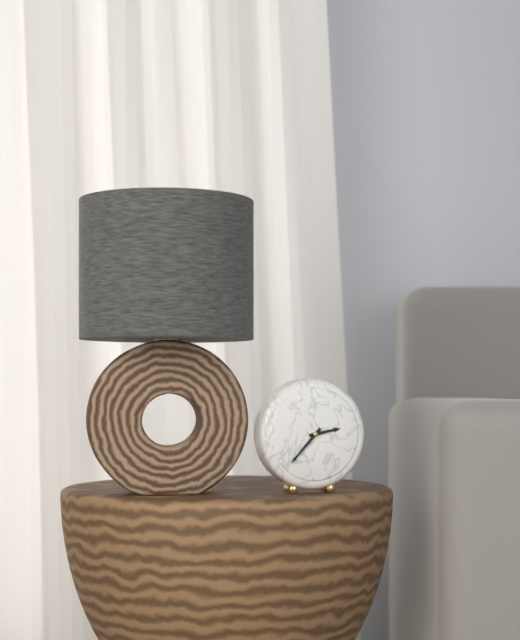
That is 2h37
